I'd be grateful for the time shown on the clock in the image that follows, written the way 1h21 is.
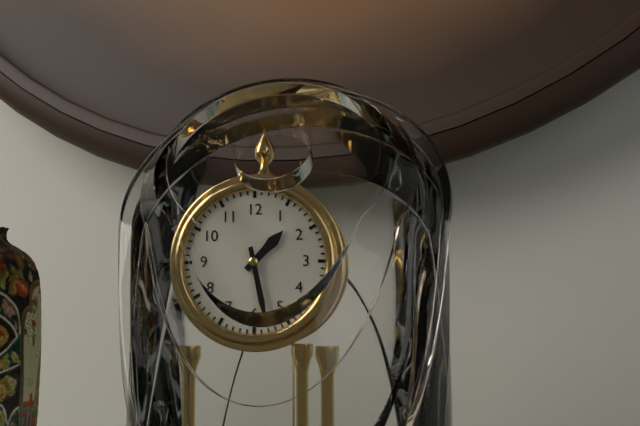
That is 1h28
